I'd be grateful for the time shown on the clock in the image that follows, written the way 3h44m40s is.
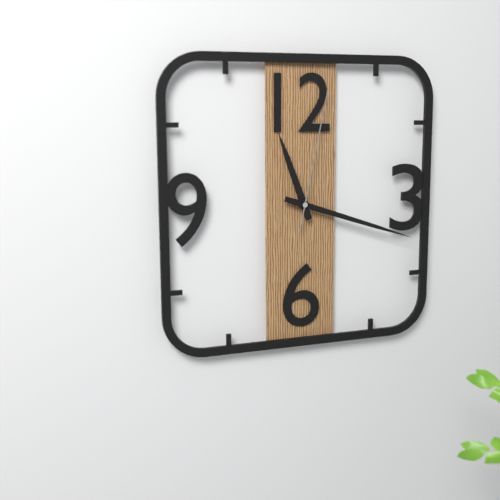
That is 11h18m02s
